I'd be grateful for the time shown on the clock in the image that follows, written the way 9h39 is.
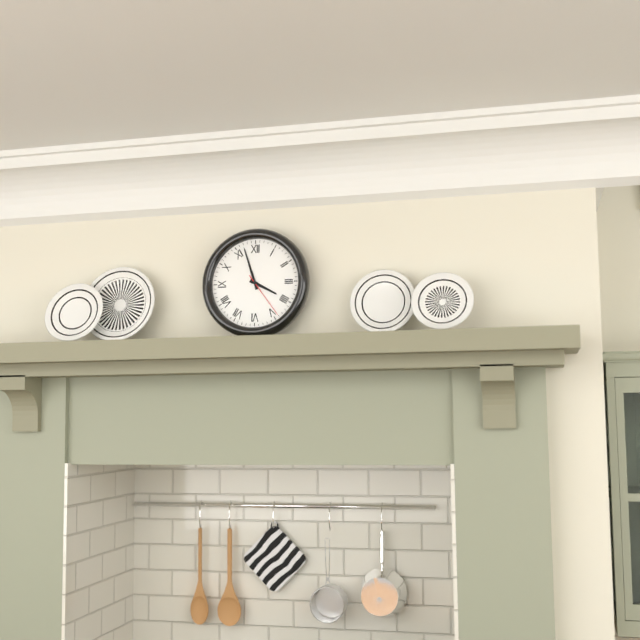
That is 3h57
